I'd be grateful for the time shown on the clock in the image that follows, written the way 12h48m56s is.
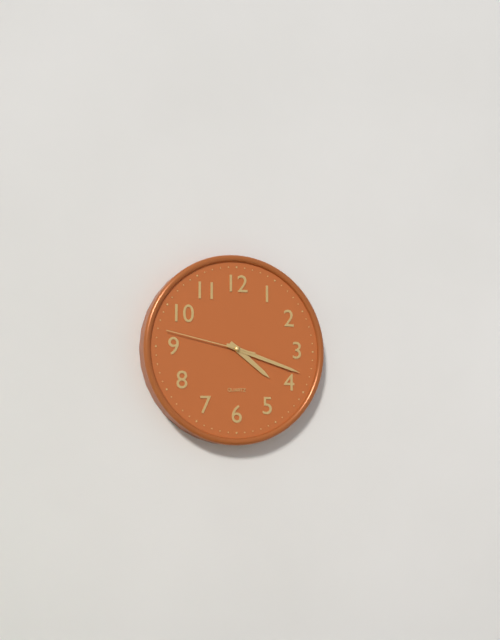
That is 4h18m47s
